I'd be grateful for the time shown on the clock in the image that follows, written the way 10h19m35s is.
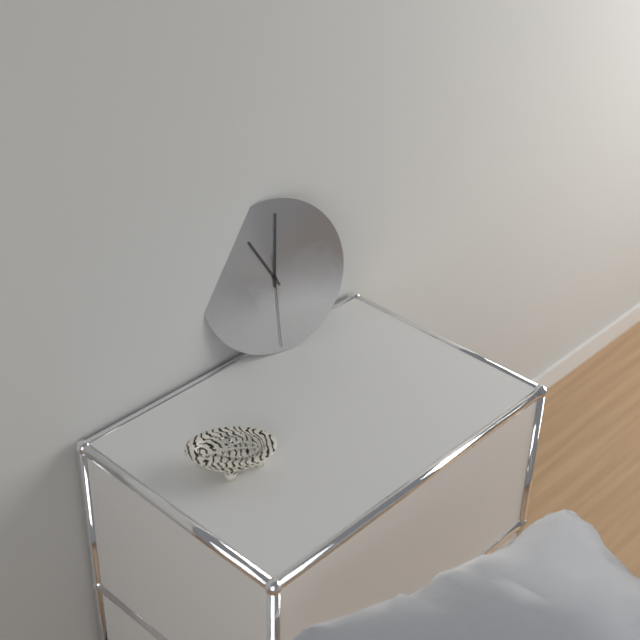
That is 11h01m30s
